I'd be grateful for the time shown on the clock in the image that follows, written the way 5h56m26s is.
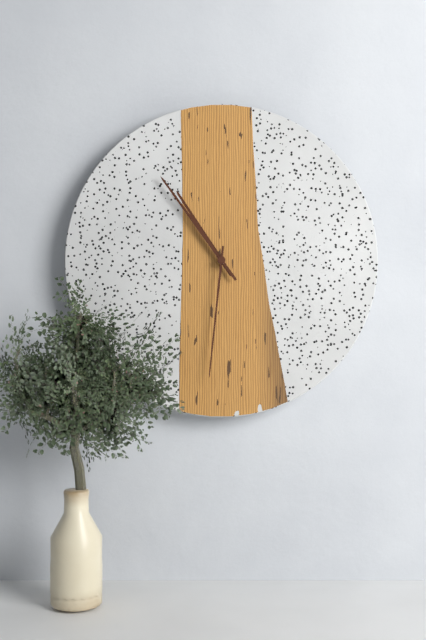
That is 10h54m31s
